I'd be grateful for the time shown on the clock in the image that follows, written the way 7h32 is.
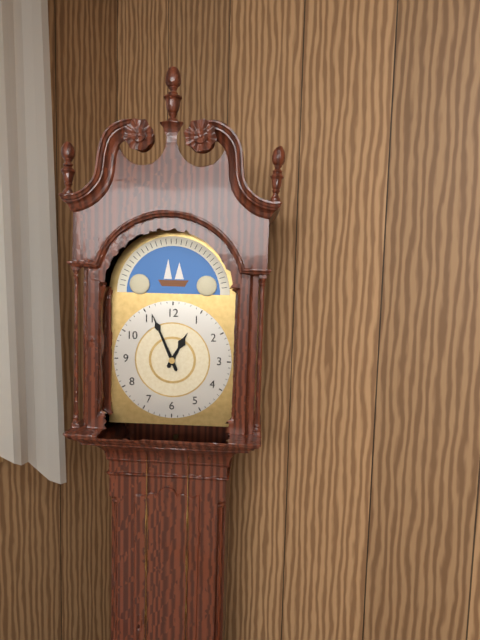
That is 12h56
